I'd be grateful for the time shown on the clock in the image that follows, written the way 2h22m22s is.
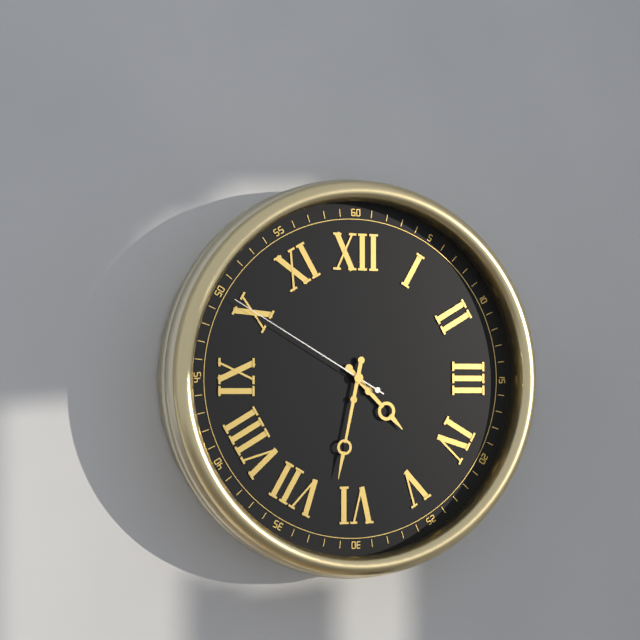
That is 4h32m50s
